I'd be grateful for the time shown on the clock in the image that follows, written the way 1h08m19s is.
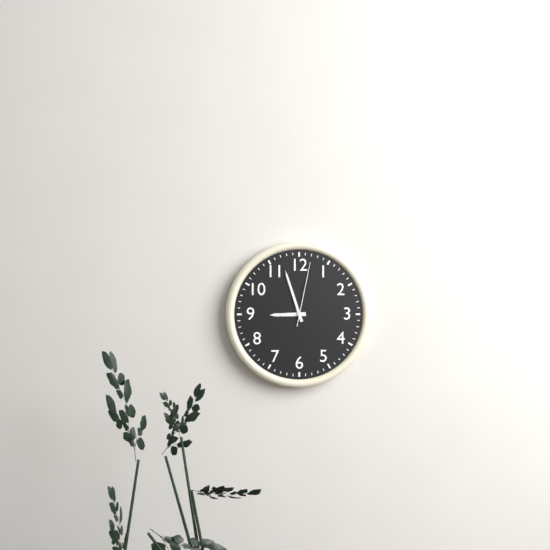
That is 8h57m02s
